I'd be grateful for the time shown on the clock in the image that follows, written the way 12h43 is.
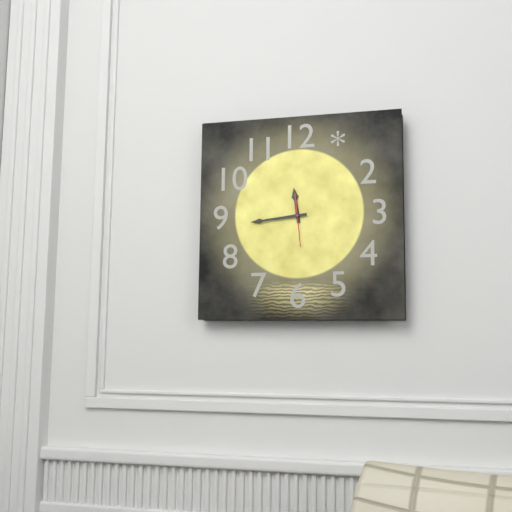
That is 11h44
